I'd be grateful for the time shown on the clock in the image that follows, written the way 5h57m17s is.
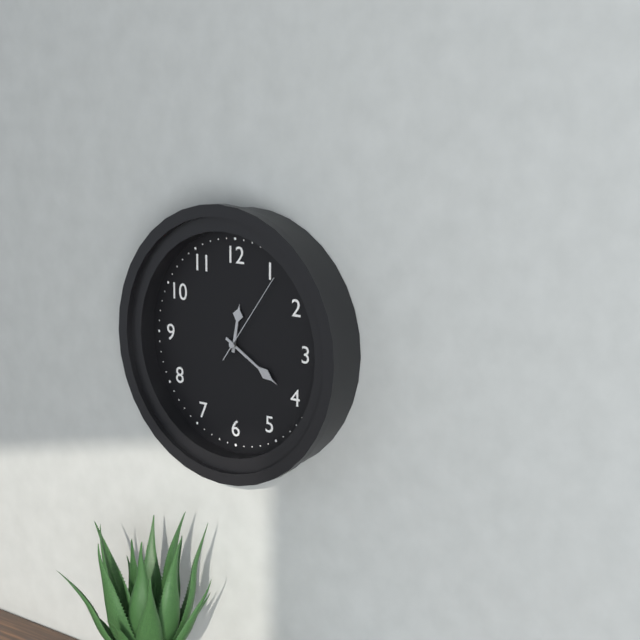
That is 12h20m06s
